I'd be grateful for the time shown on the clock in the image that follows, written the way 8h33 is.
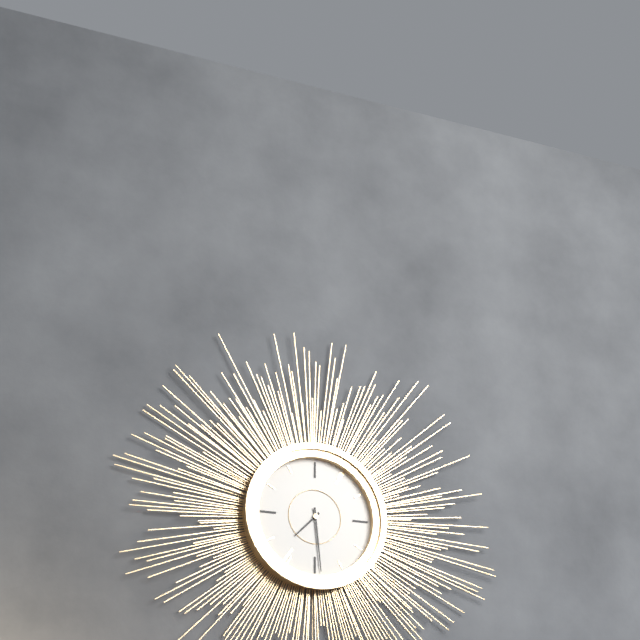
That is 7h29
